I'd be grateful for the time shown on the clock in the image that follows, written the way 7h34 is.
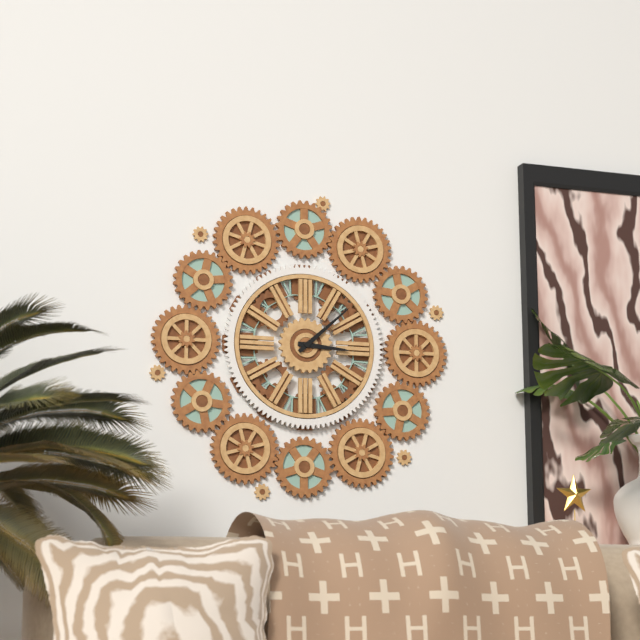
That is 3h08
